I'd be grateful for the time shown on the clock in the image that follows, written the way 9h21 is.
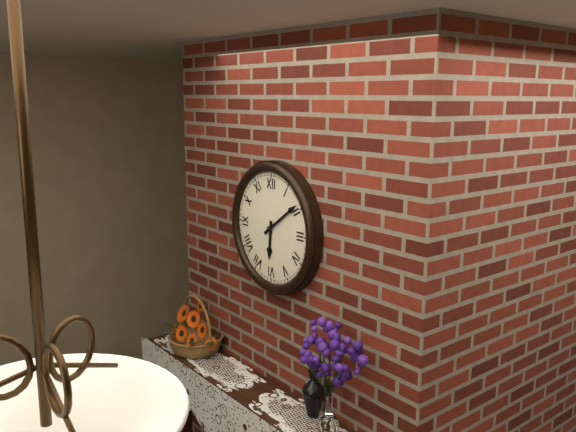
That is 6h09
